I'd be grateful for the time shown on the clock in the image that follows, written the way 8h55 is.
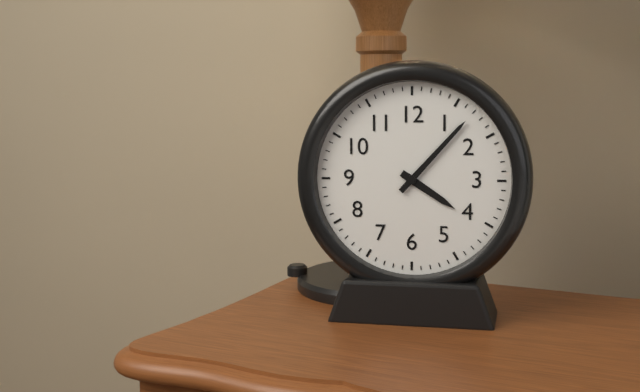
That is 4h07
